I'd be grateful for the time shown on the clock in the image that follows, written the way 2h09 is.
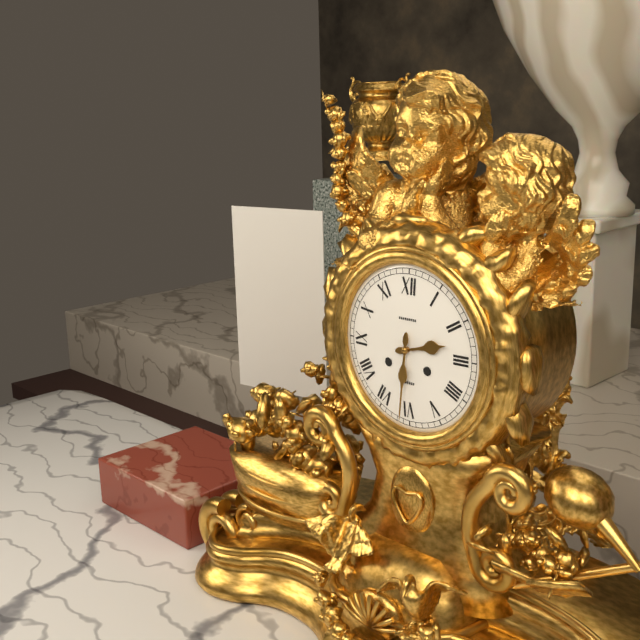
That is 2h31
